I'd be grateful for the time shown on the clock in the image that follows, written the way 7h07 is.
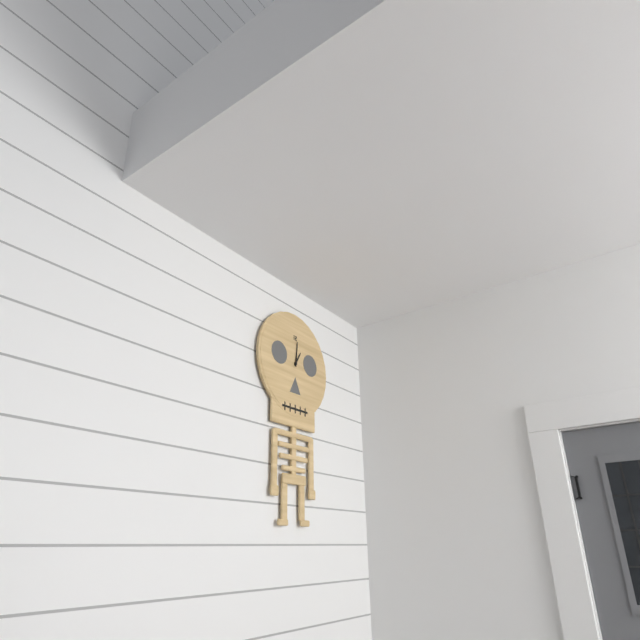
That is 1h01
